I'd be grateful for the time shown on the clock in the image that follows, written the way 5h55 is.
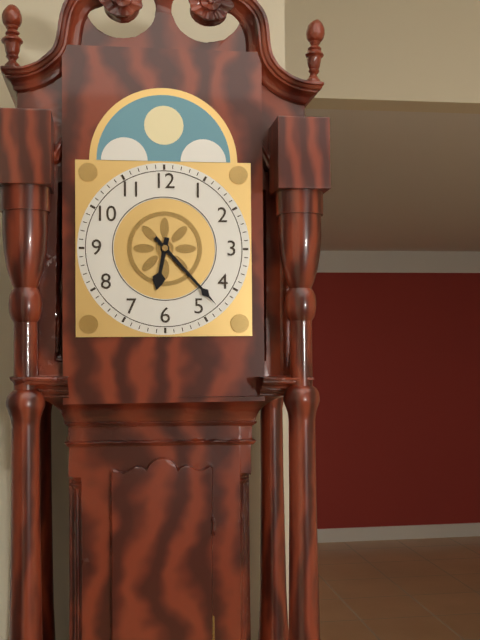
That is 6h23
